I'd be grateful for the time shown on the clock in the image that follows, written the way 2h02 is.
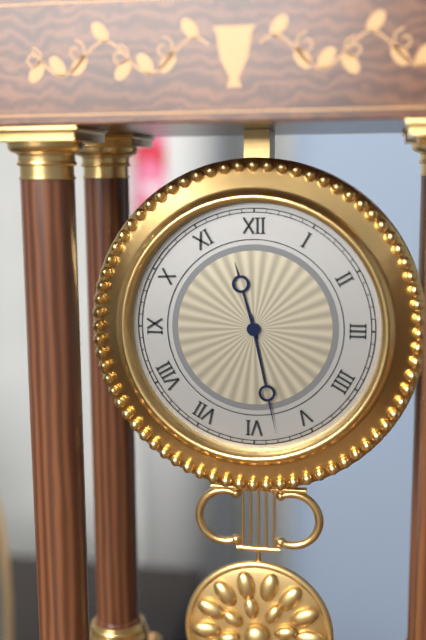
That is 11h28
